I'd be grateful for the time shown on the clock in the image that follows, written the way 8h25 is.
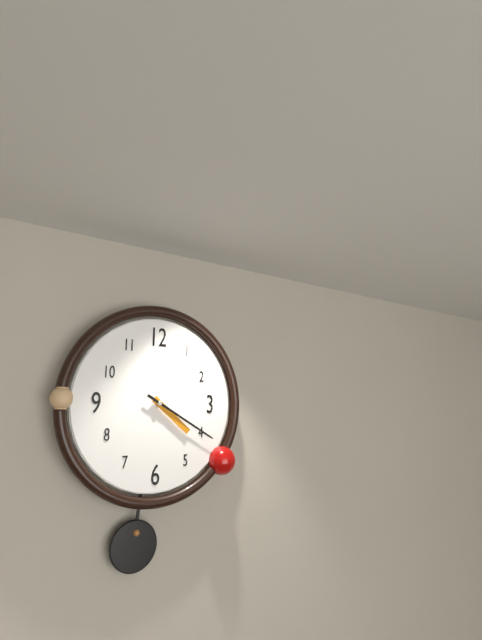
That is 4h20
